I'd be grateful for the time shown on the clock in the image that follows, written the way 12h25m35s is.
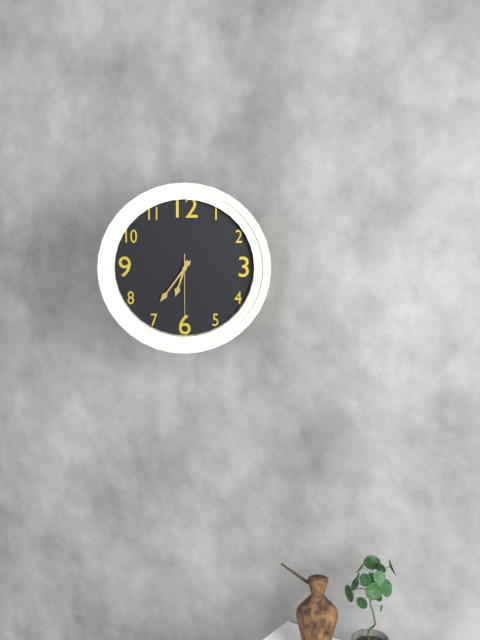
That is 6h36m30s
